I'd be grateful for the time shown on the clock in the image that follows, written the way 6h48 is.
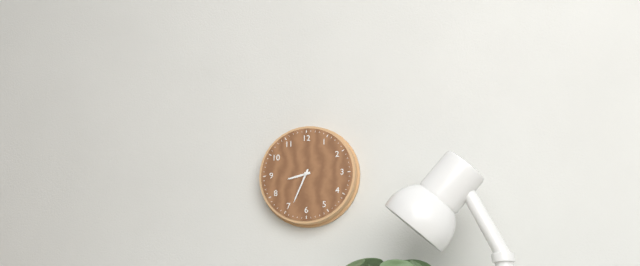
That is 8h34
